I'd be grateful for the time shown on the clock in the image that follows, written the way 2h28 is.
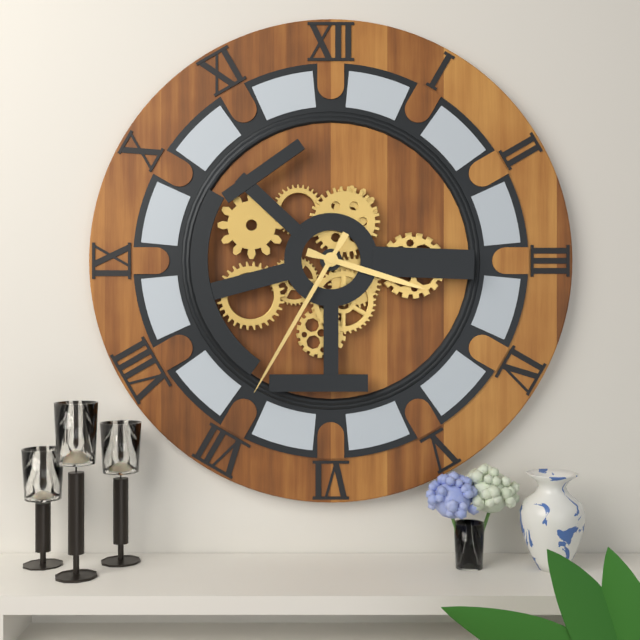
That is 3h35
